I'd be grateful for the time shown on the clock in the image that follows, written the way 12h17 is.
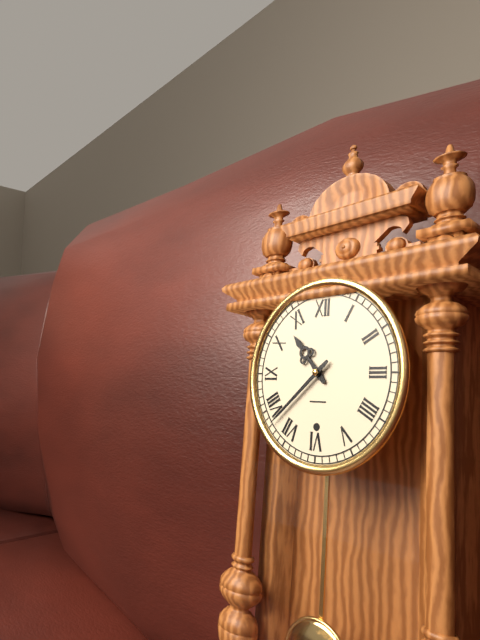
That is 10h38
